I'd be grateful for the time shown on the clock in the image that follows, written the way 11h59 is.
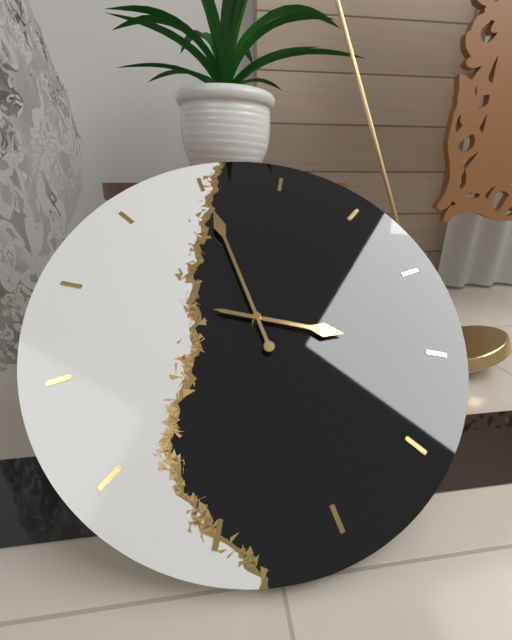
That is 4h00
